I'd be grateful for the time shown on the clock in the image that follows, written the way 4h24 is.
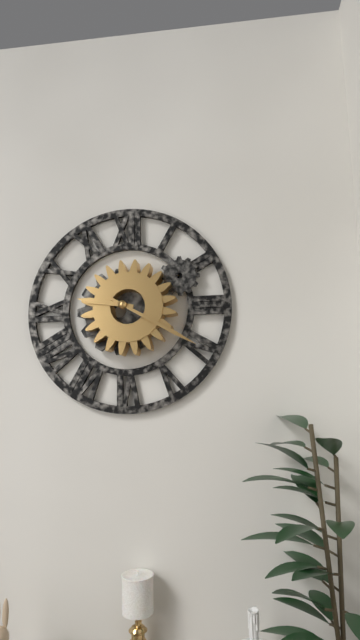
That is 9h20
